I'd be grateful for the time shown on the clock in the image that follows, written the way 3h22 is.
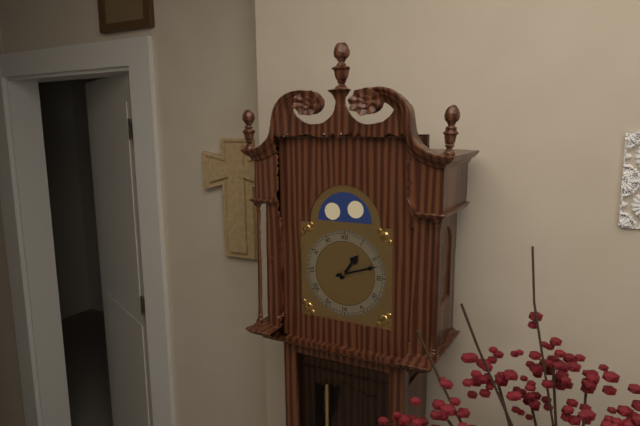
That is 1h12
